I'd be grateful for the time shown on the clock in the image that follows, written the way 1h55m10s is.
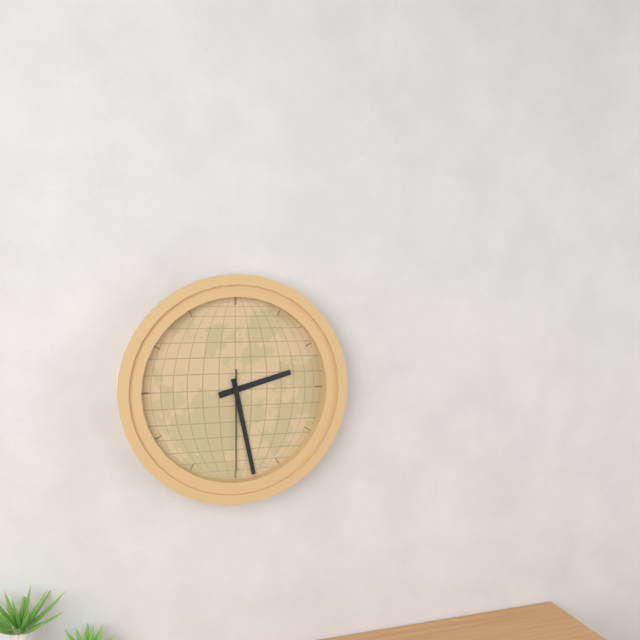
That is 2h28m30s
